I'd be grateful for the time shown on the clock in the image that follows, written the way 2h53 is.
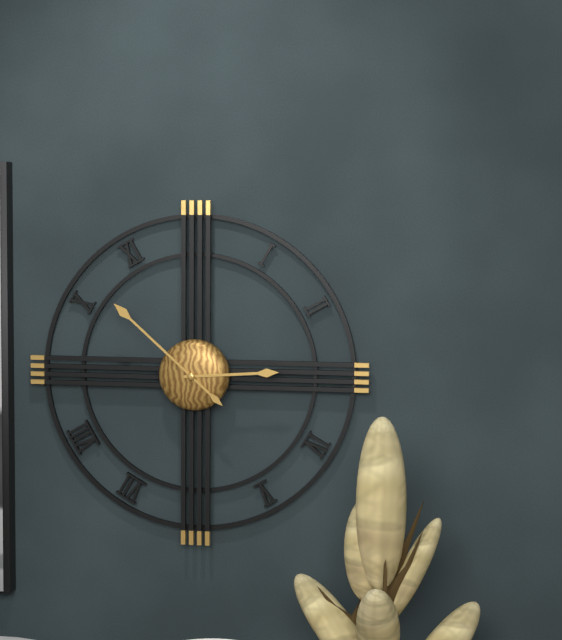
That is 2h52
